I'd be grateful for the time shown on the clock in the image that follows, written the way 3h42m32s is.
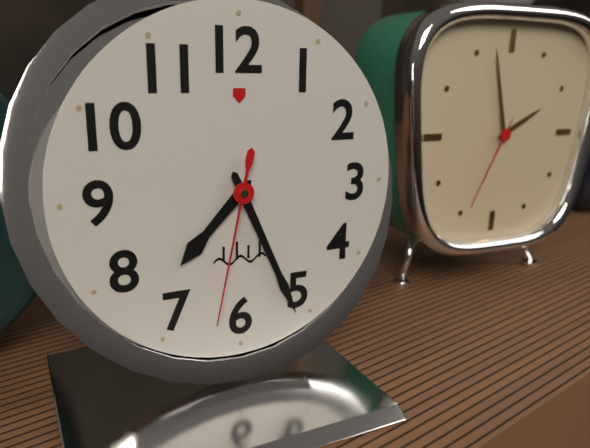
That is 7h26m32s
